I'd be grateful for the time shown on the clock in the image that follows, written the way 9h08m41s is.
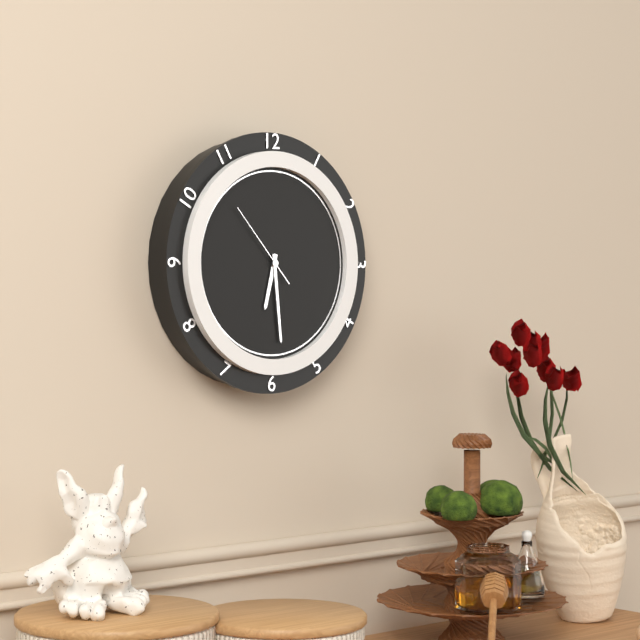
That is 6h29m53s
